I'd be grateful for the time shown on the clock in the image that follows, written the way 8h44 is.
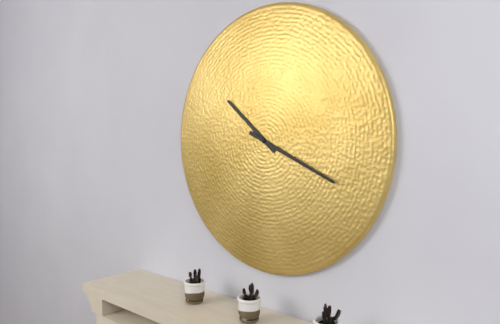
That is 10h19
